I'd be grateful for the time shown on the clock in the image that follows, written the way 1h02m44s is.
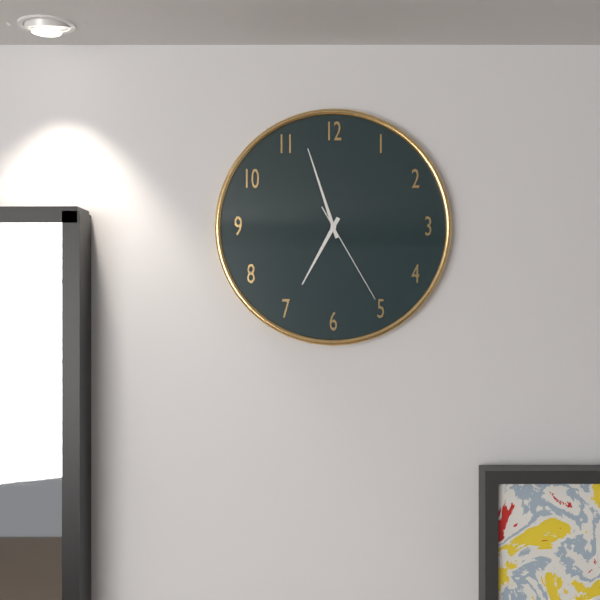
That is 6h57m25s
